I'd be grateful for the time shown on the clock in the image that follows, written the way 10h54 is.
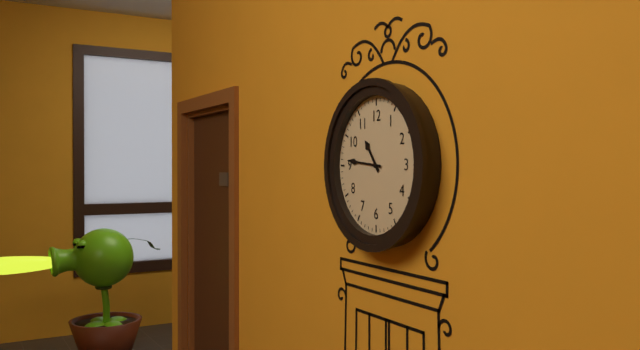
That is 10h46
